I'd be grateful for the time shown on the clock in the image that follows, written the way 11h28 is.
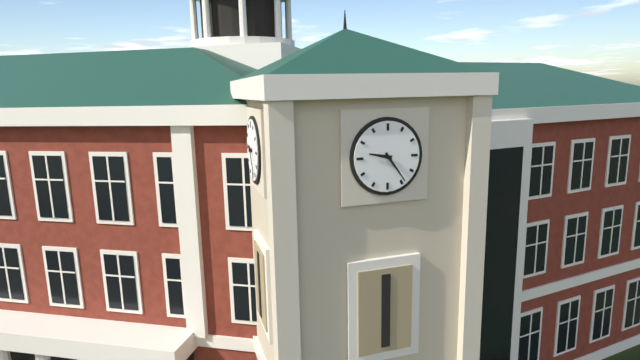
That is 9h24
